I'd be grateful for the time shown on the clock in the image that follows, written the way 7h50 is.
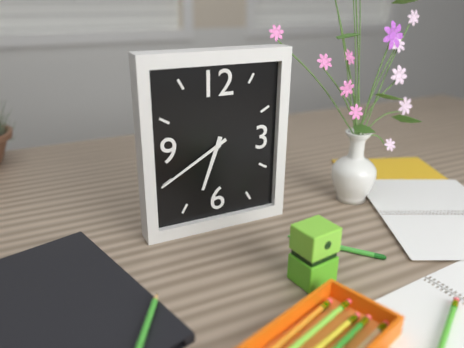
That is 6h40
